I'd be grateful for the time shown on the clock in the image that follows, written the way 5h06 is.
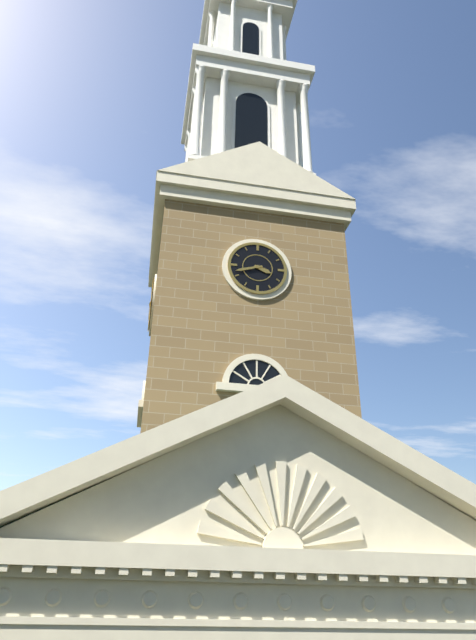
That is 3h42
